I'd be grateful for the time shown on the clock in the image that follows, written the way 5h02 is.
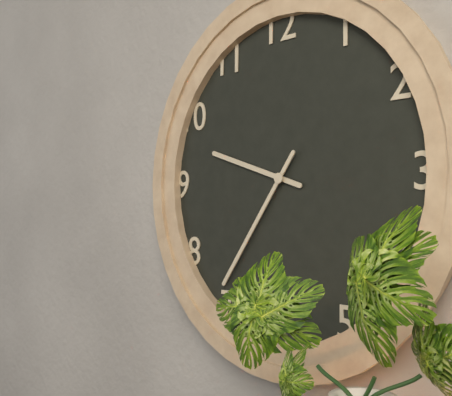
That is 9h36
